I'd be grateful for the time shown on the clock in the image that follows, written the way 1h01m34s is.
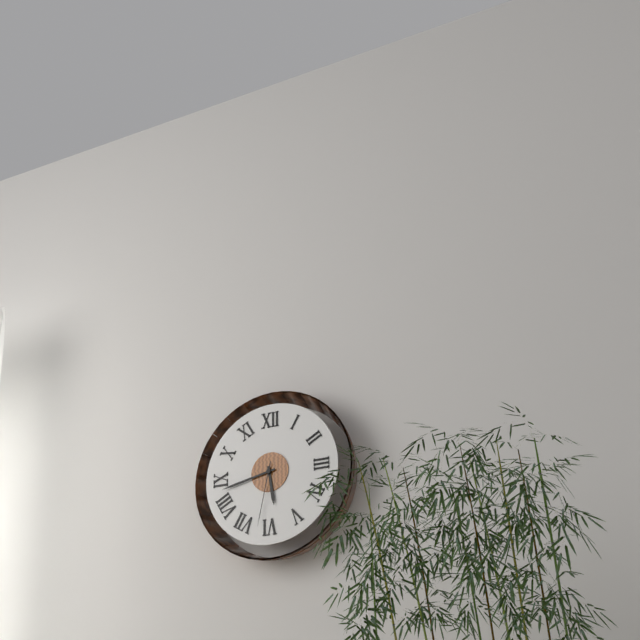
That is 5h43m32s
